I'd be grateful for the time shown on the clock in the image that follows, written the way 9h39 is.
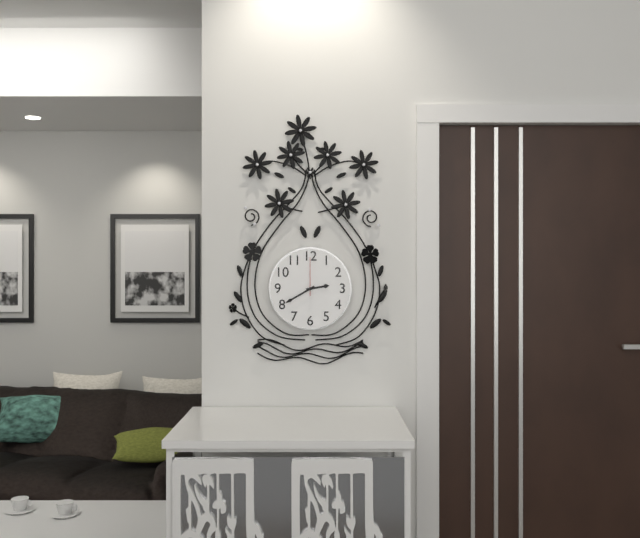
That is 2h40
